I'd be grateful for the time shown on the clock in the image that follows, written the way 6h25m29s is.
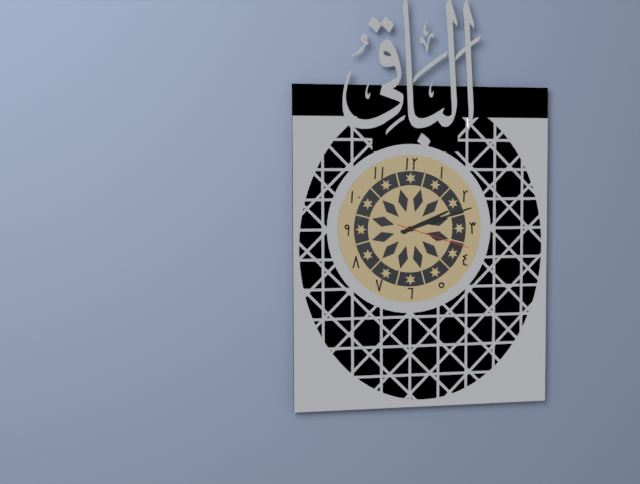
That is 2h12m18s
